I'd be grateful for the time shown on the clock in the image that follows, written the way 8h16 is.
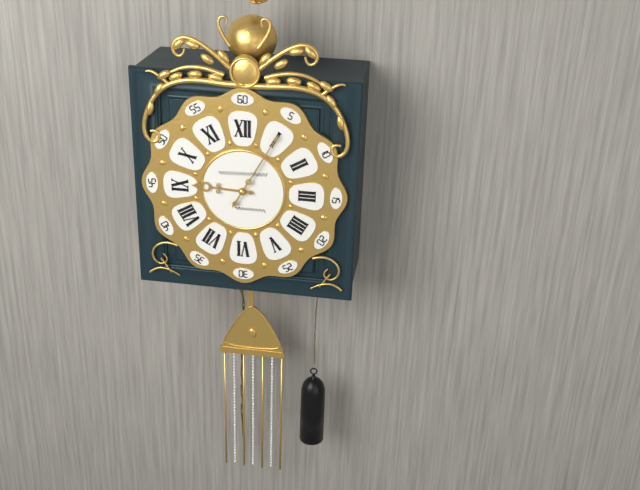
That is 9h05
